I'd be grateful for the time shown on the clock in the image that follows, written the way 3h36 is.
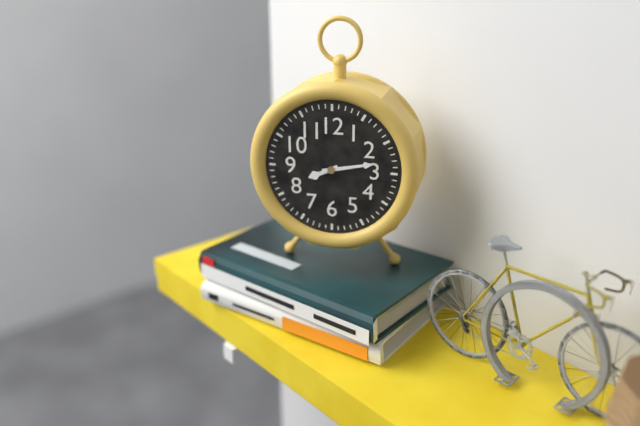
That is 8h13
